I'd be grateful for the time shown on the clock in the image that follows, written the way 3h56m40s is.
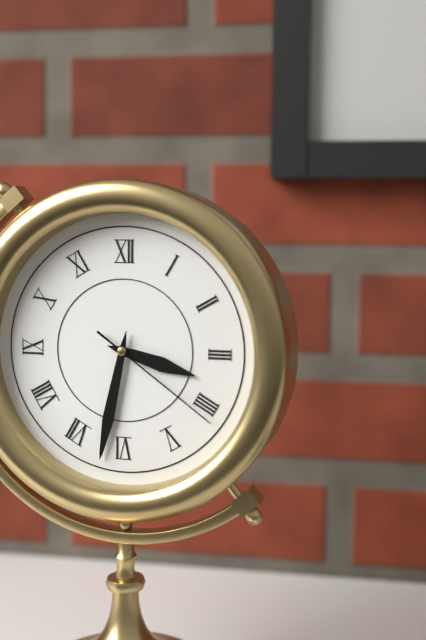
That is 3h32m21s
